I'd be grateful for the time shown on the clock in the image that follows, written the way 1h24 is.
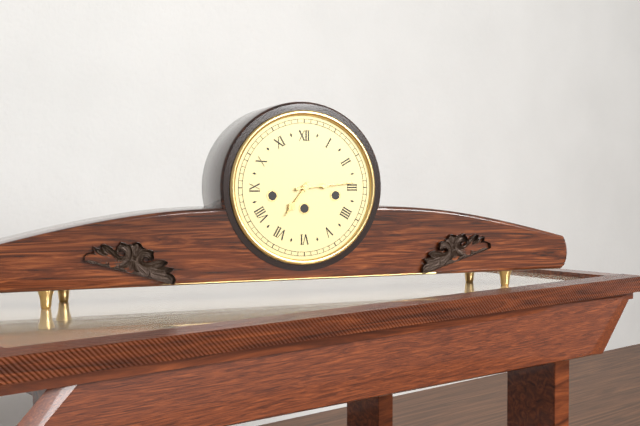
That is 7h14
